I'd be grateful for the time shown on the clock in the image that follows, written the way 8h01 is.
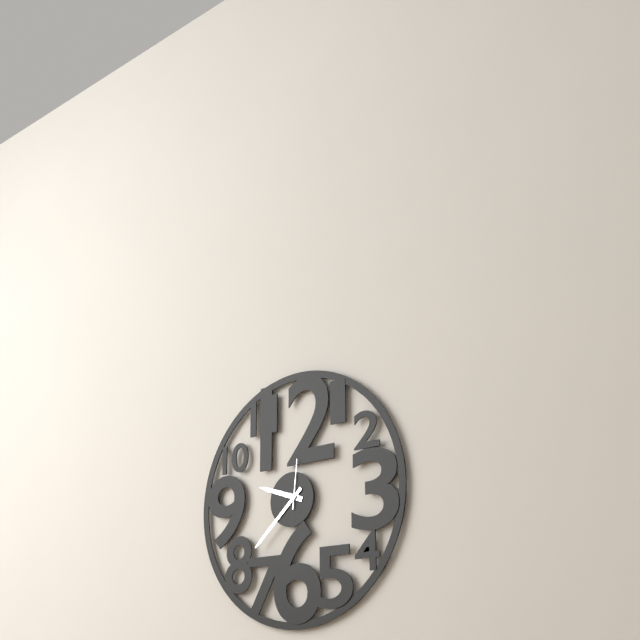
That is 9h38
